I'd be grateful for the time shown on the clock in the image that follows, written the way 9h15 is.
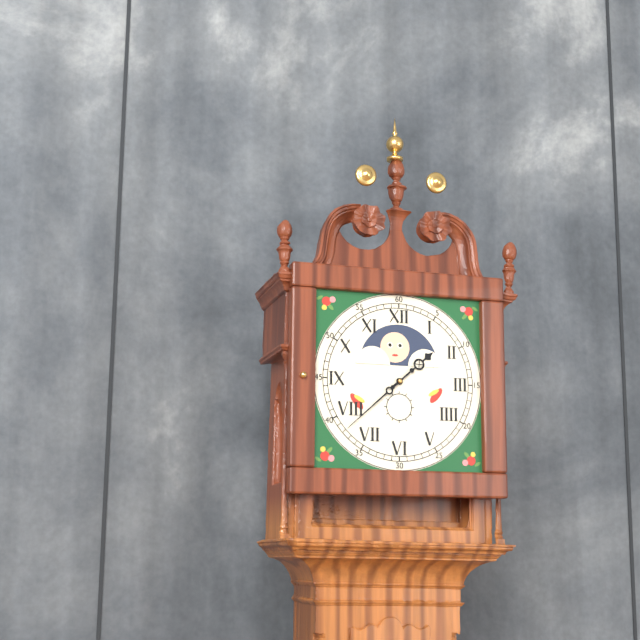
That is 1h38
